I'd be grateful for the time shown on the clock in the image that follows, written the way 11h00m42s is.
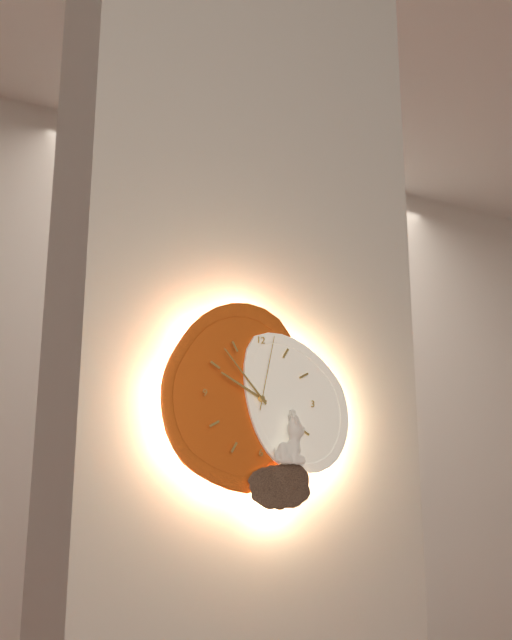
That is 9h53m02s
